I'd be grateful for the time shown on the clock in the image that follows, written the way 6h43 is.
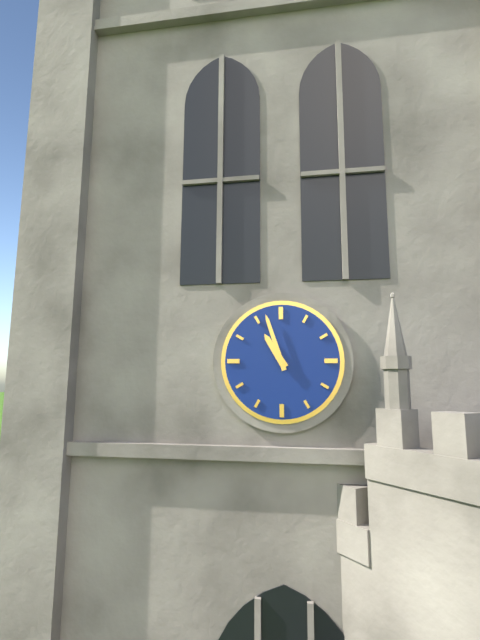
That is 10h57
